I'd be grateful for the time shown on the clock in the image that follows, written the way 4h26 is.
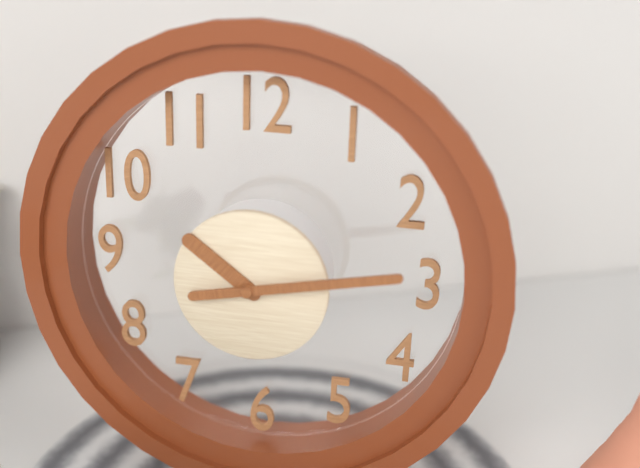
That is 10h13
